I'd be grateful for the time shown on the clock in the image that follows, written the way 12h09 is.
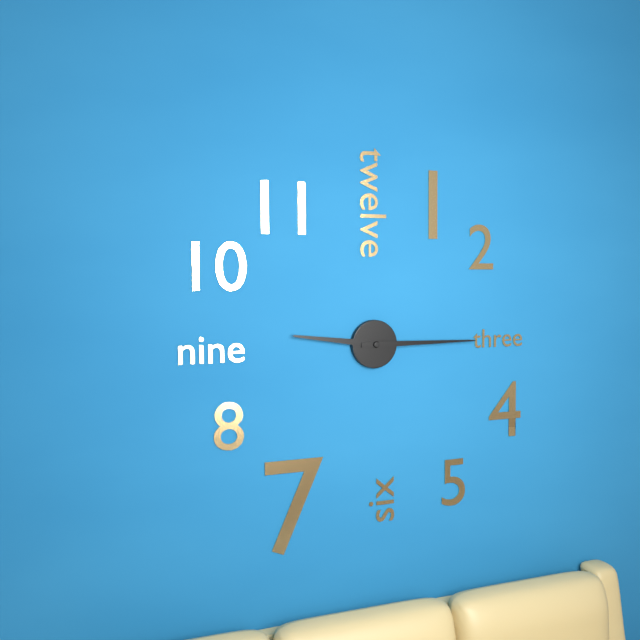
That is 9h15
